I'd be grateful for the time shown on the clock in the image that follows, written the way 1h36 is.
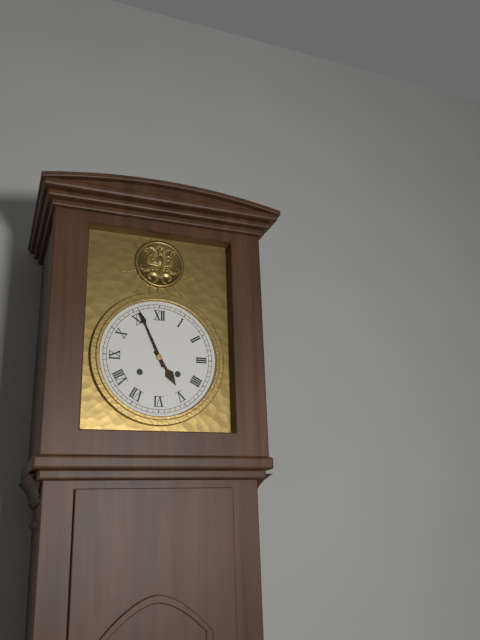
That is 4h56
